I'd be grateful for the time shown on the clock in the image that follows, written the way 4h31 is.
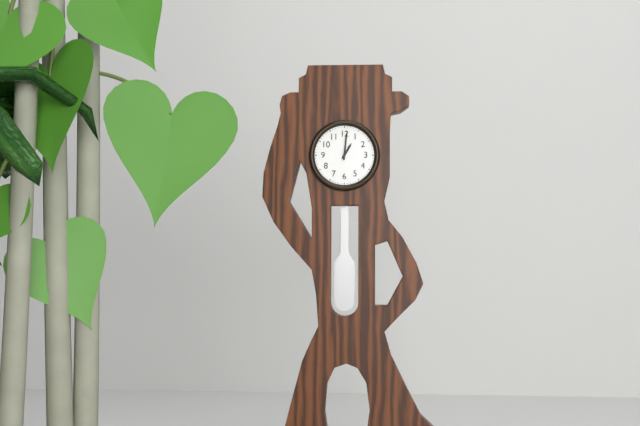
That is 1h01
